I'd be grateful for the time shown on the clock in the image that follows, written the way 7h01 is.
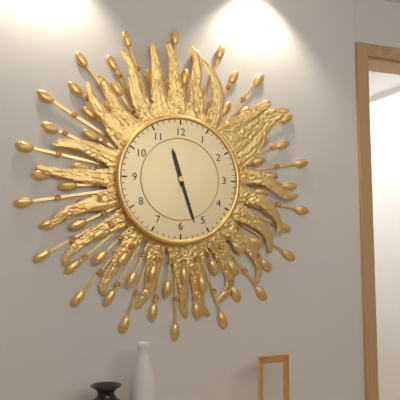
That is 11h27
